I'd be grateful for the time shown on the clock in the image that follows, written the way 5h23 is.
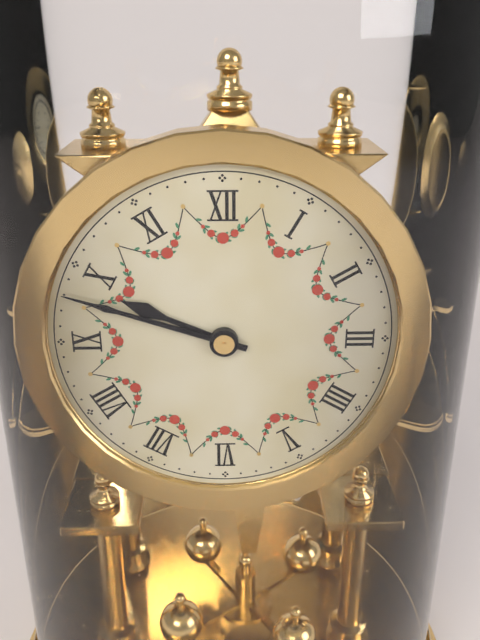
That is 9h48
